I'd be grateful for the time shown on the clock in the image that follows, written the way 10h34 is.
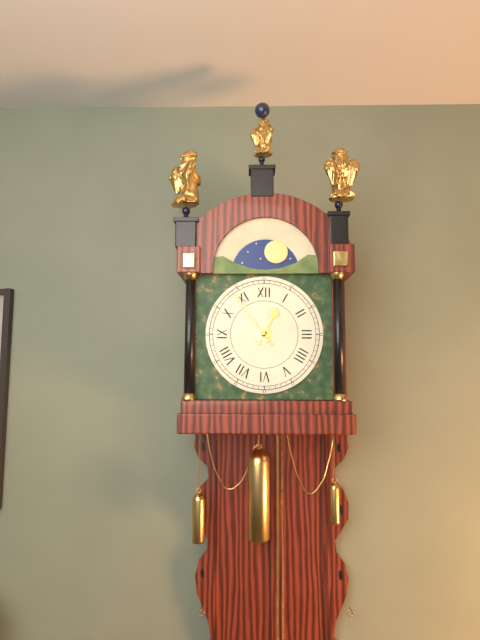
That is 12h54
